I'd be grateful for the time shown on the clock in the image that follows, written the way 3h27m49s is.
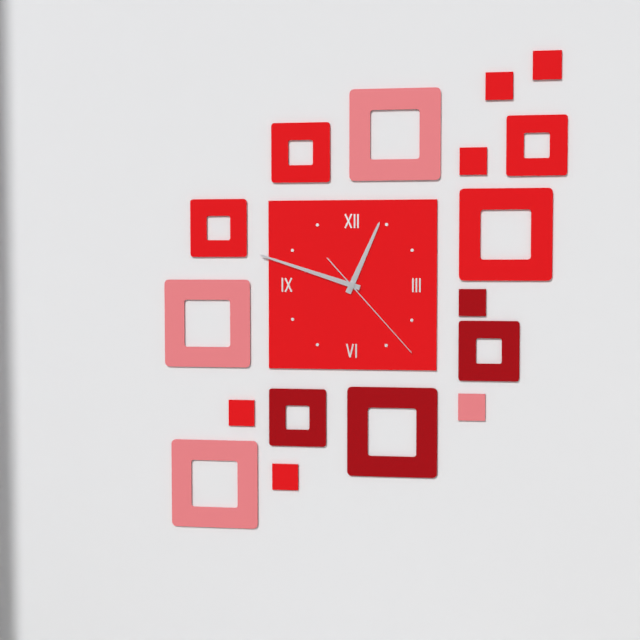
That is 12h48m23s
